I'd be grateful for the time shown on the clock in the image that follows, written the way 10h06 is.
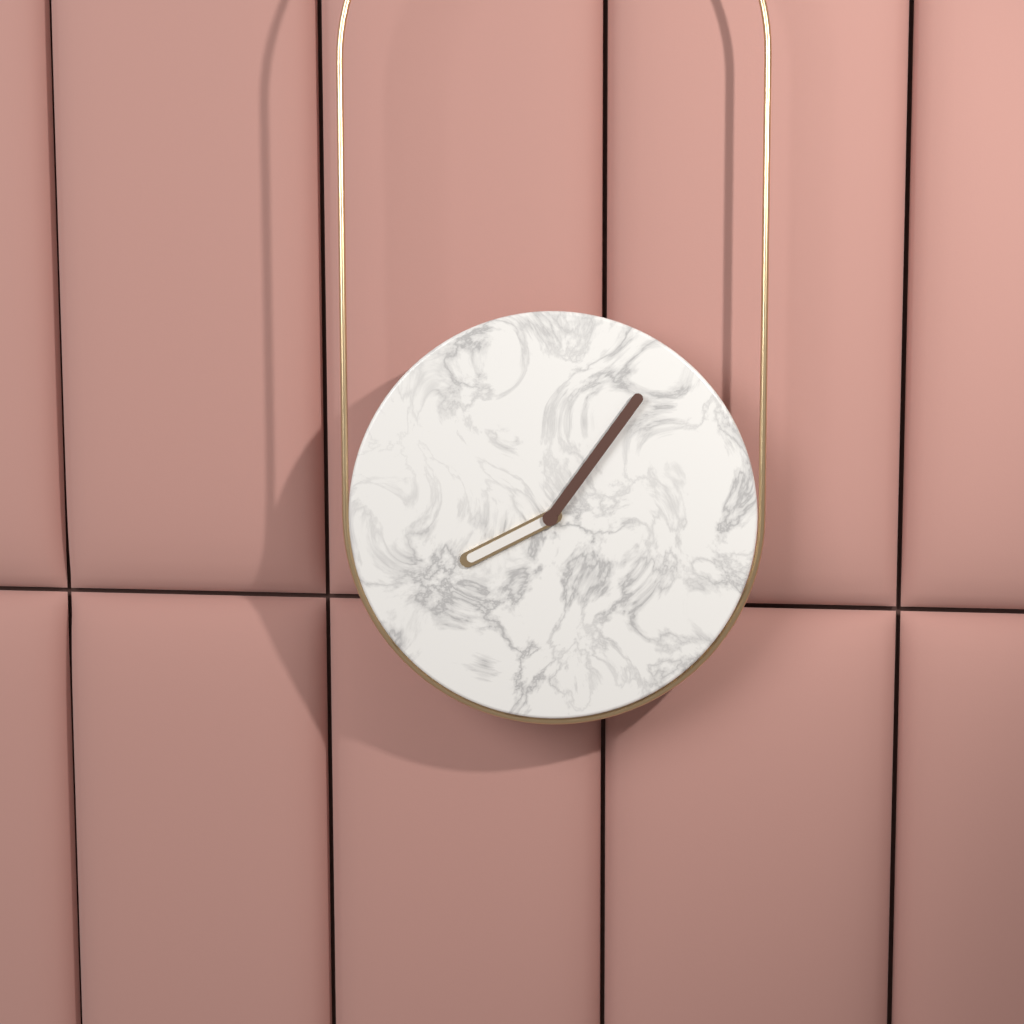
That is 8h06
